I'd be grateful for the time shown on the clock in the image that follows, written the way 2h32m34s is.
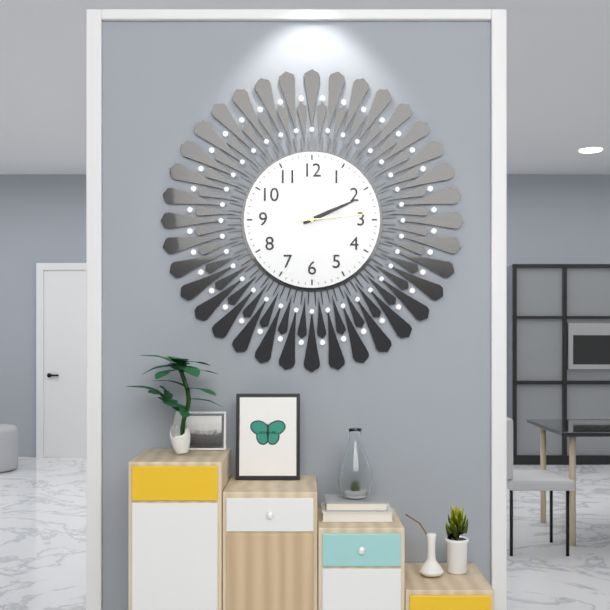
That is 2h11m14s
